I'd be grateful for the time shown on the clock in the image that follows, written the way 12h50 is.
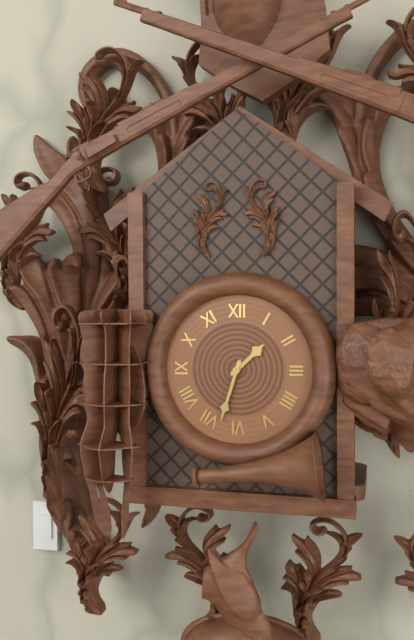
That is 1h33
